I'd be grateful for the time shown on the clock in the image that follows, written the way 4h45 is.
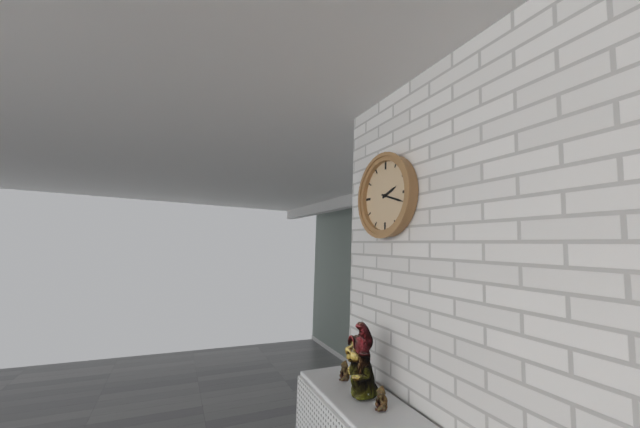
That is 2h18
